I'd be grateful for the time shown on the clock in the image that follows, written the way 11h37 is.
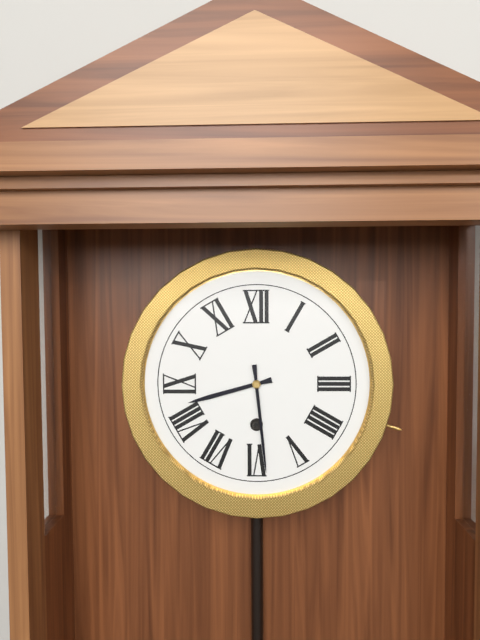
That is 8h29
